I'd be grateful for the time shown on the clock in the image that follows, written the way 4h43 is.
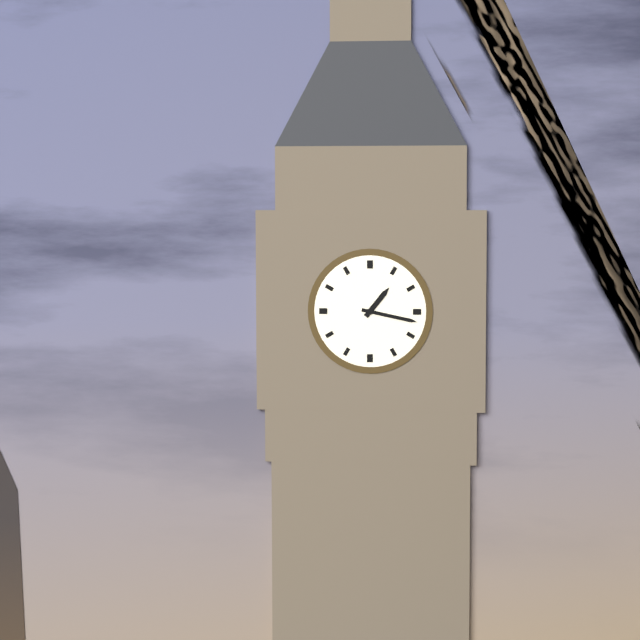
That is 1h17
